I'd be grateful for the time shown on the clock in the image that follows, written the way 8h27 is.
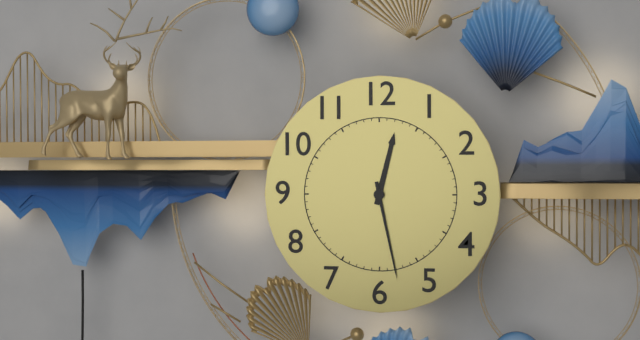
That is 12h28
